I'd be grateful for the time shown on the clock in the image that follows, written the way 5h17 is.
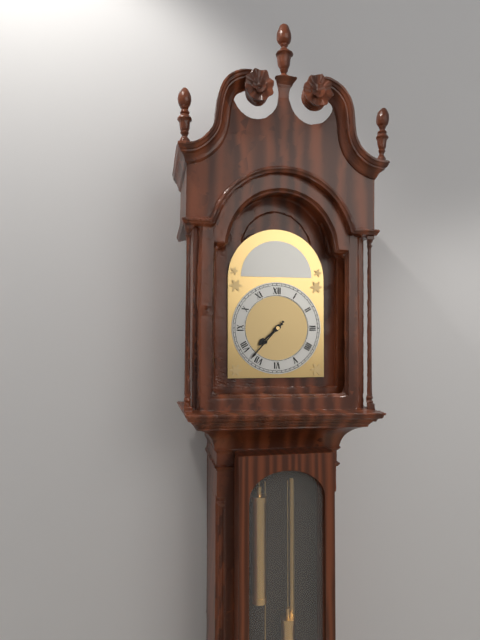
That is 7h37
